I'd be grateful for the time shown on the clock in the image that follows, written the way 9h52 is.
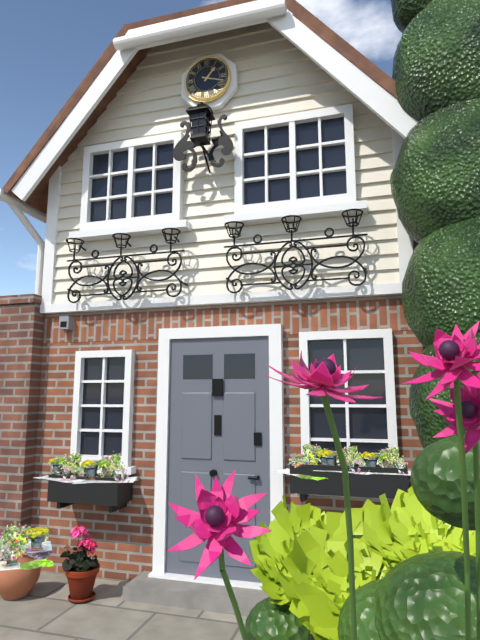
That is 1h18
